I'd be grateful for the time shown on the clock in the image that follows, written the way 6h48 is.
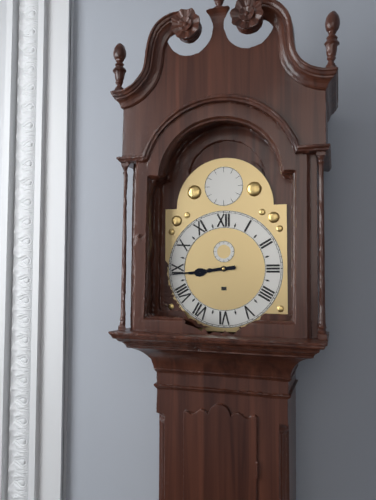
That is 8h44
